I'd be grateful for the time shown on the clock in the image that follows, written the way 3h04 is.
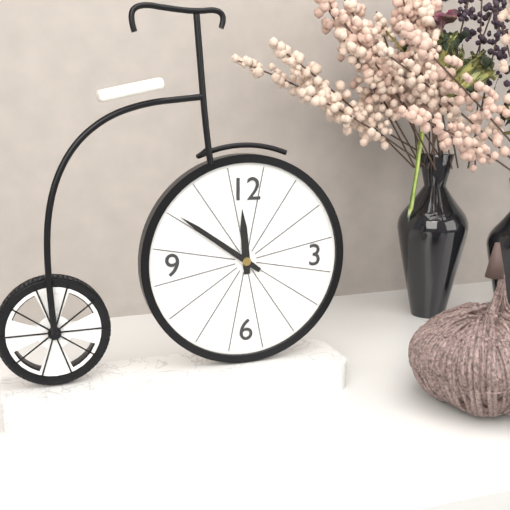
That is 11h51
